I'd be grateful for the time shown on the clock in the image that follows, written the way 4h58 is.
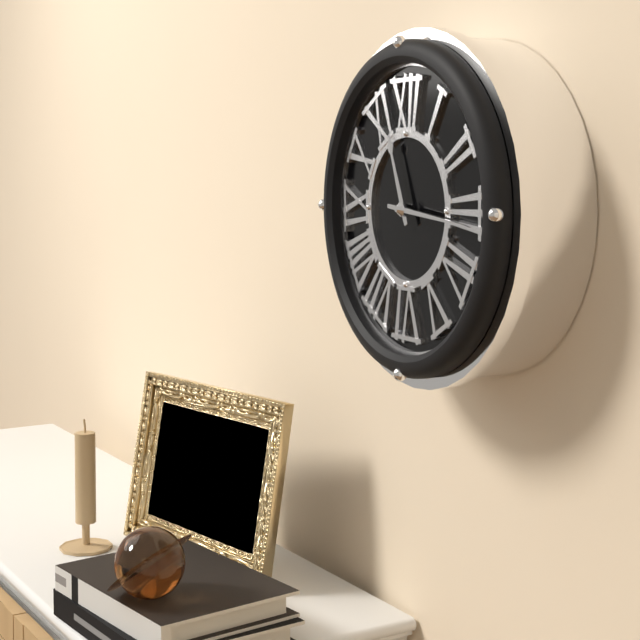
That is 11h16
